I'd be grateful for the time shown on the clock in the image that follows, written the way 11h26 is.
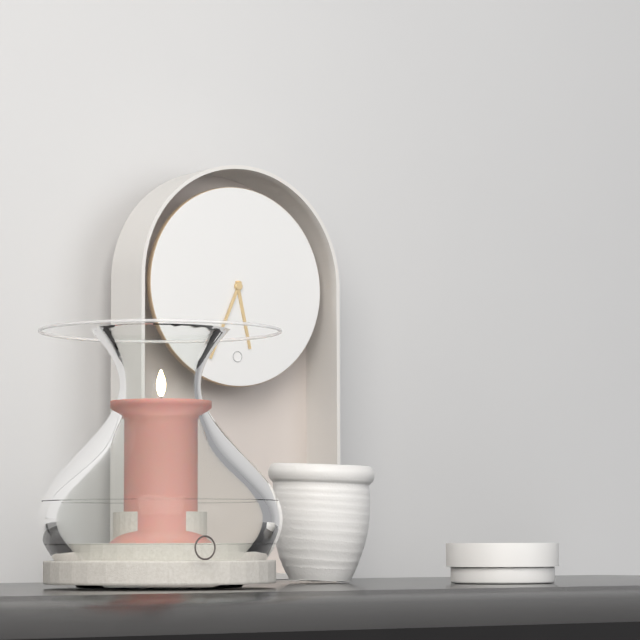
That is 5h34
